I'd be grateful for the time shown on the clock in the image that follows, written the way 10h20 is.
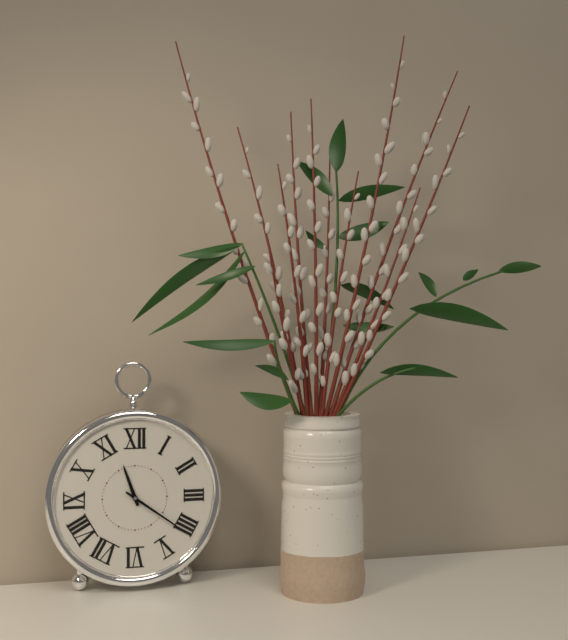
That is 11h21
